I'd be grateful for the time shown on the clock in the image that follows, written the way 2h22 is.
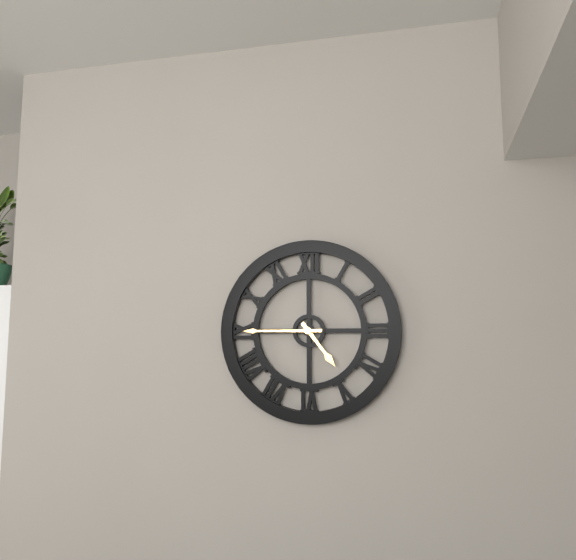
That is 4h45
